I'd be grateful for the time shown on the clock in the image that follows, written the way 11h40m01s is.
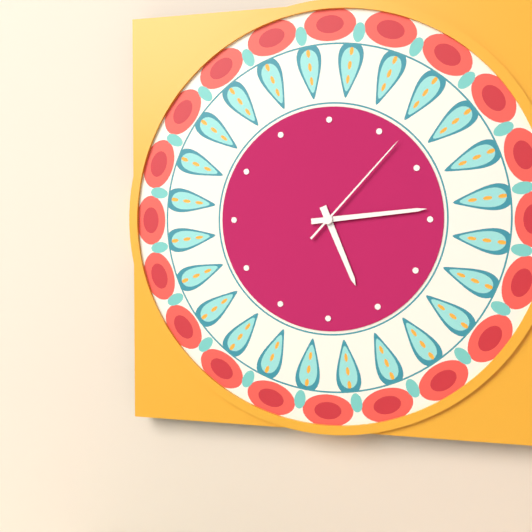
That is 5h14m07s
